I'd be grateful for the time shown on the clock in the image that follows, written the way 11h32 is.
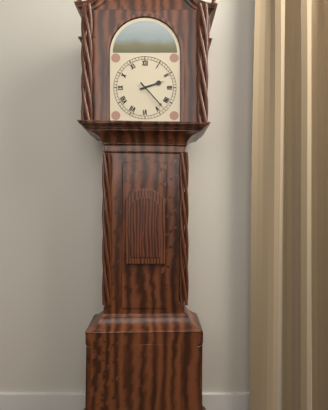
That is 2h23
